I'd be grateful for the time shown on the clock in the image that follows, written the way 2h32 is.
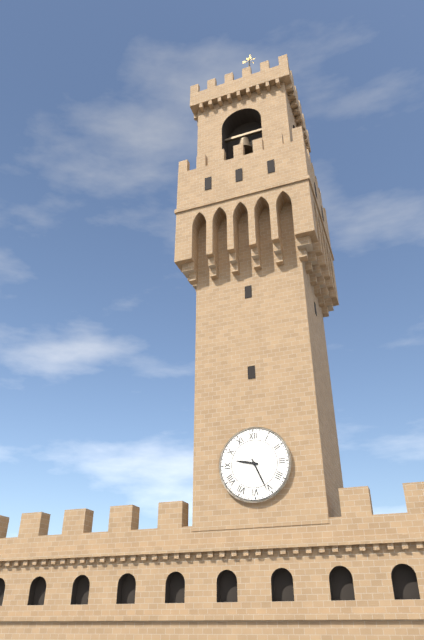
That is 9h26
